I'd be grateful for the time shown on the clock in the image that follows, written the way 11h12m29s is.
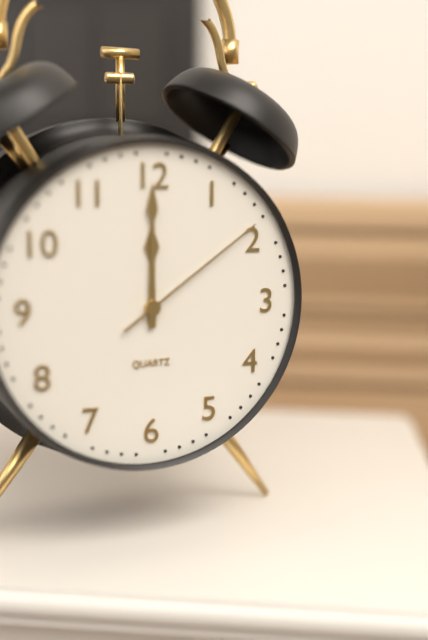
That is 12h00m09s
